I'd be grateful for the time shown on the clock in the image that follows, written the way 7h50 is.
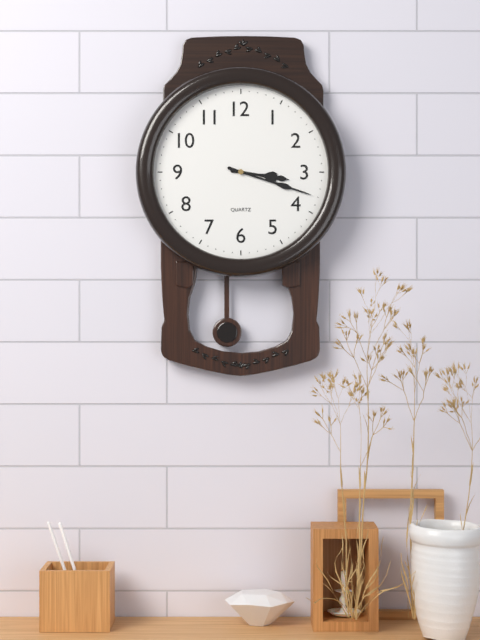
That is 3h18
